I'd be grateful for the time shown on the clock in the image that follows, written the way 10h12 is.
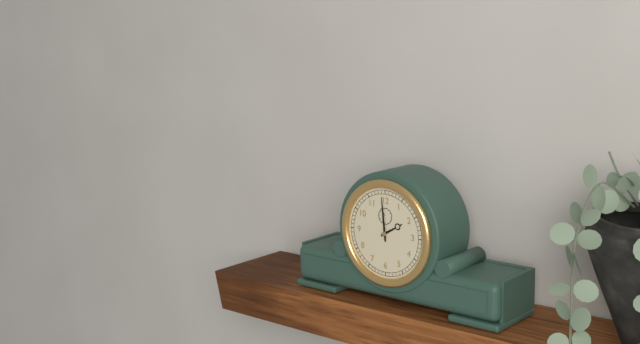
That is 1h59
